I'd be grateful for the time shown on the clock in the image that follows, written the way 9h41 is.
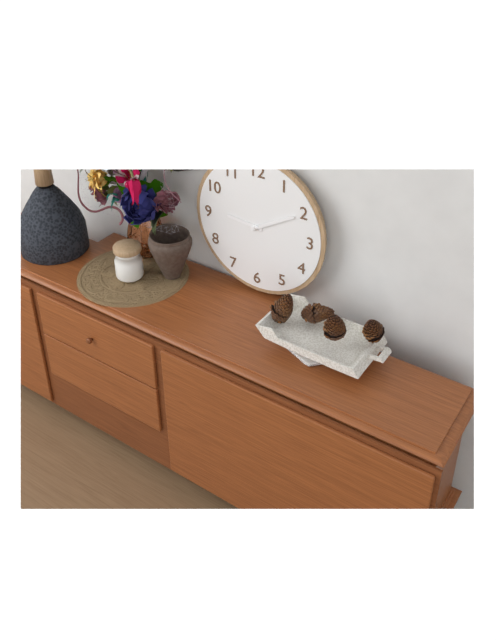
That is 9h10
